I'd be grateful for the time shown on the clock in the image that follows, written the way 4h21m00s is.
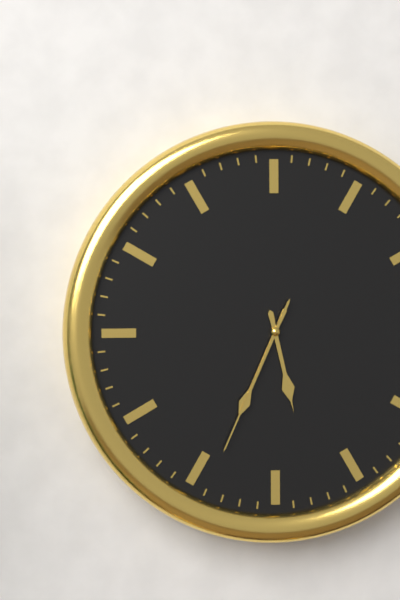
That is 5h34m34s
